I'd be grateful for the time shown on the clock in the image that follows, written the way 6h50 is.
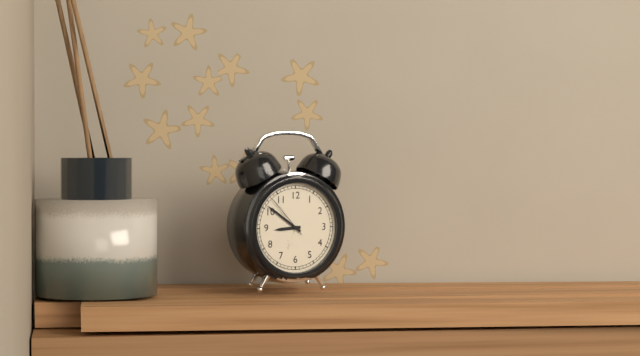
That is 8h51
